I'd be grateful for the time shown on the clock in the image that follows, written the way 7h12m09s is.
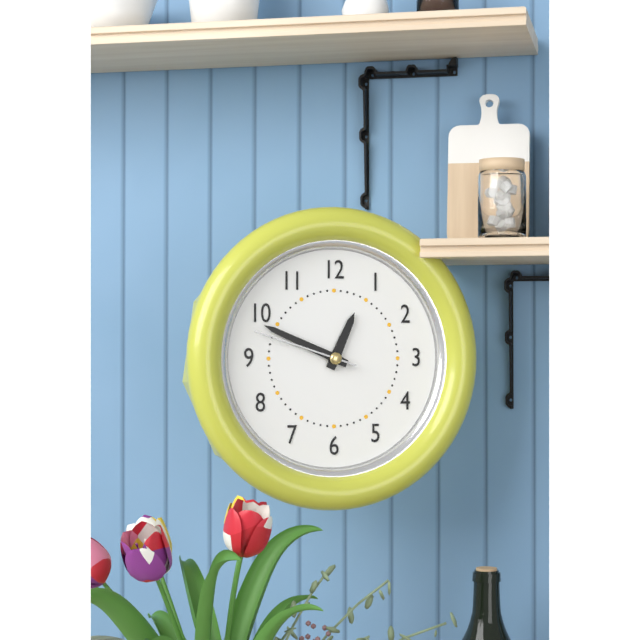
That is 12h49m48s
